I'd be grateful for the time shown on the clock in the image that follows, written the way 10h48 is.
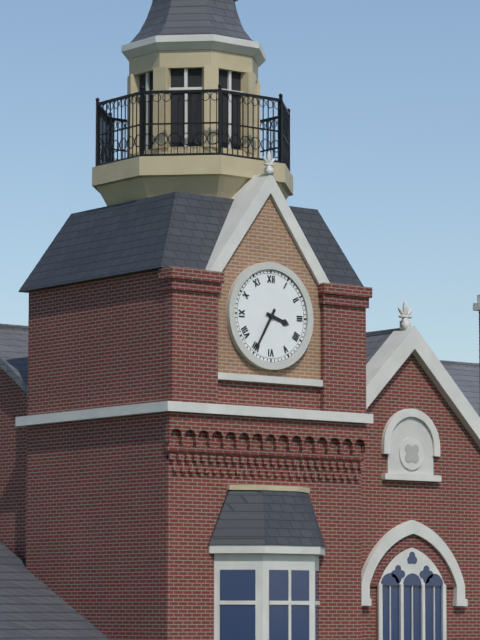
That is 3h35
